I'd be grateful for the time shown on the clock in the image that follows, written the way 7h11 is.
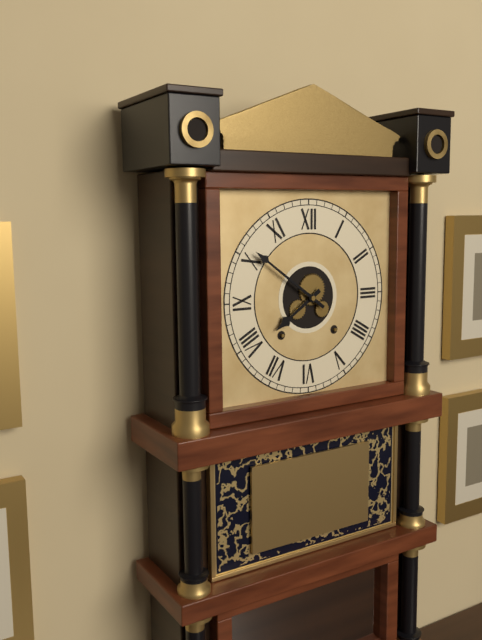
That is 7h51
